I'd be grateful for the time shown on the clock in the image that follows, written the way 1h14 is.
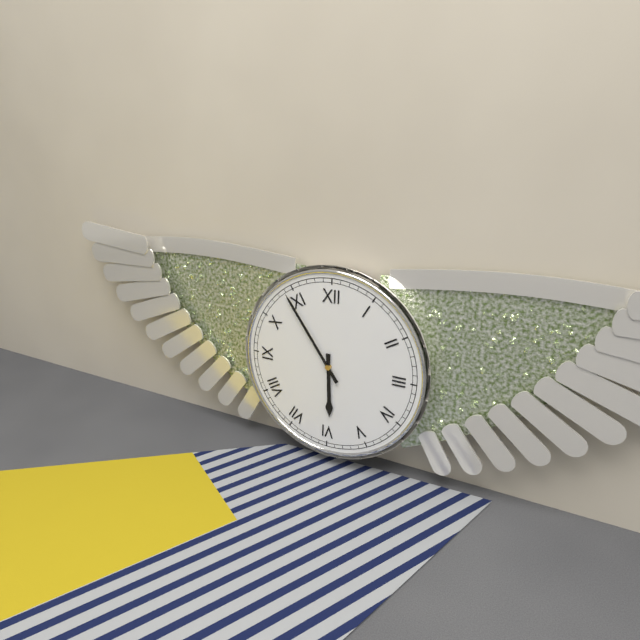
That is 5h54
